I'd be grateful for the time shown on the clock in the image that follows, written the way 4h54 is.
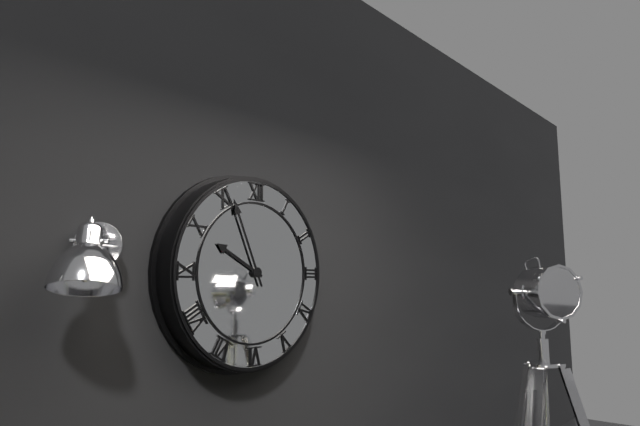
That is 9h56
